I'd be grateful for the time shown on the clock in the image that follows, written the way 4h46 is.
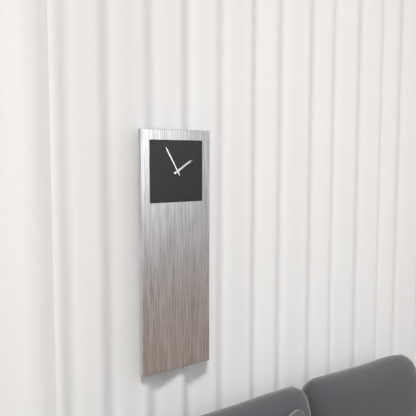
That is 1h55
